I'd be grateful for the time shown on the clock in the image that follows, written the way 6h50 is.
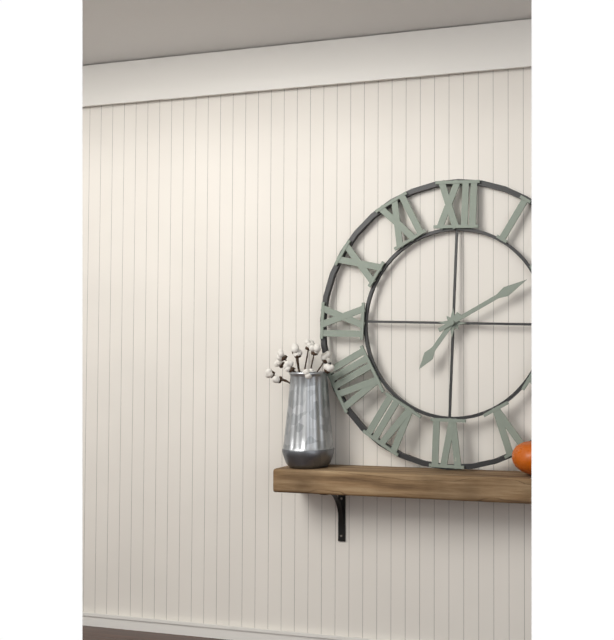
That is 7h10
